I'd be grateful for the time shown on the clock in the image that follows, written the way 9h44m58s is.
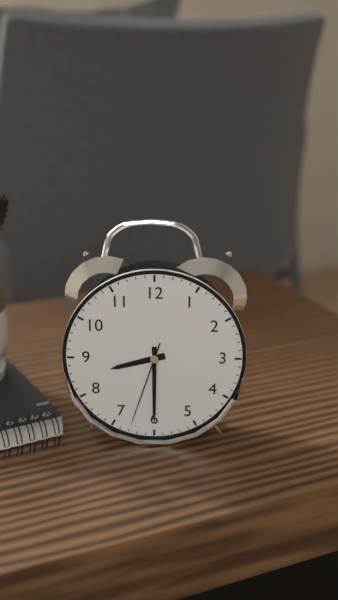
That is 8h30m33s
